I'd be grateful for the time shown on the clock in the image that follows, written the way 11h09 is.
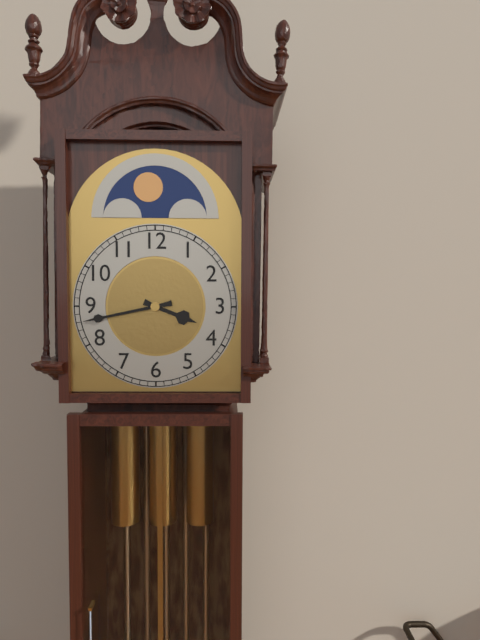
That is 3h43
